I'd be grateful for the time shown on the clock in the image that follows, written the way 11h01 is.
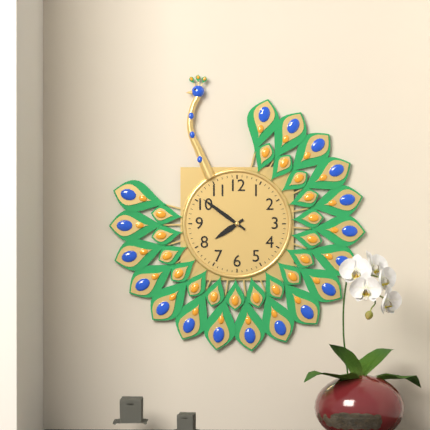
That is 7h51
